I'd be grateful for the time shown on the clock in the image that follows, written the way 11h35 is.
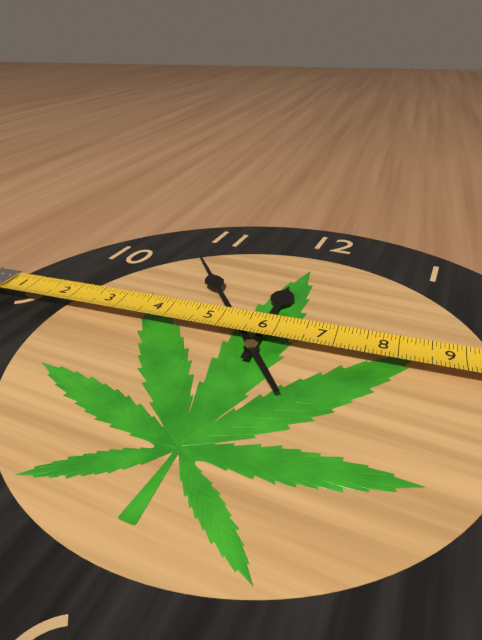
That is 11h53
